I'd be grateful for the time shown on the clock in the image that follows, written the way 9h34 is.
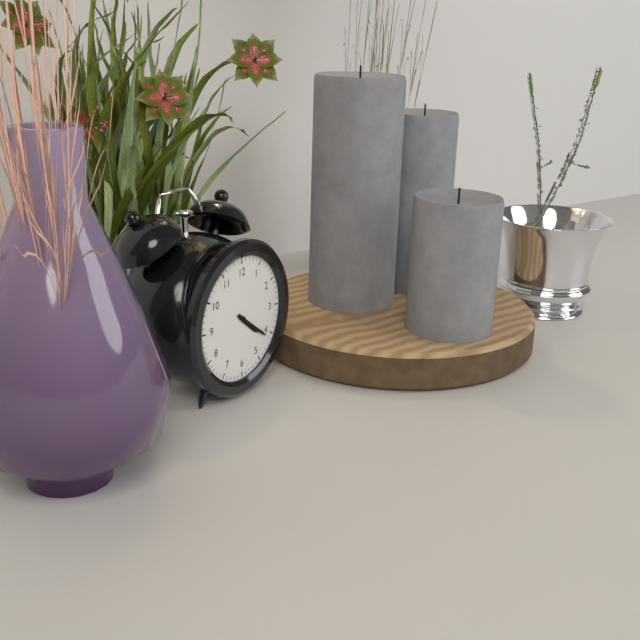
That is 4h21
